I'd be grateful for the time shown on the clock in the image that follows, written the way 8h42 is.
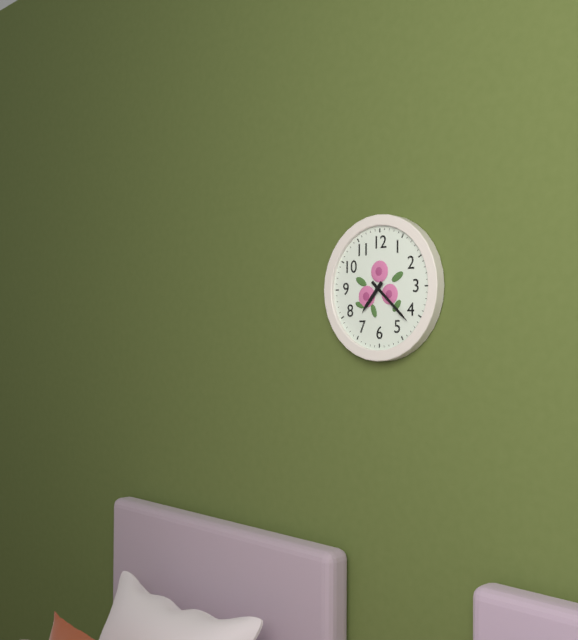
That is 7h22
